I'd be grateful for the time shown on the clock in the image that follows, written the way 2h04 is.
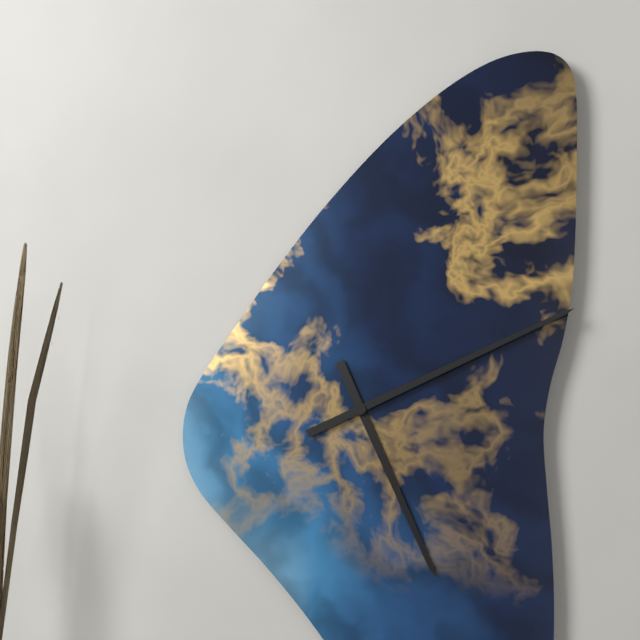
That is 5h11
